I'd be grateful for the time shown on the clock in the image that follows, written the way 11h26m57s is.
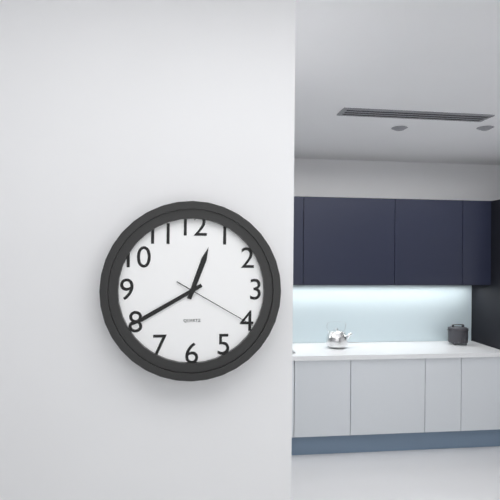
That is 12h40m20s
